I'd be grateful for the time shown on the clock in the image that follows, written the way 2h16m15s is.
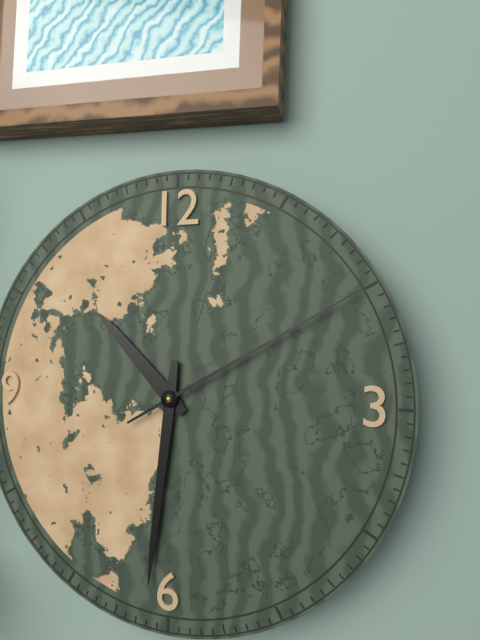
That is 10h31m10s
